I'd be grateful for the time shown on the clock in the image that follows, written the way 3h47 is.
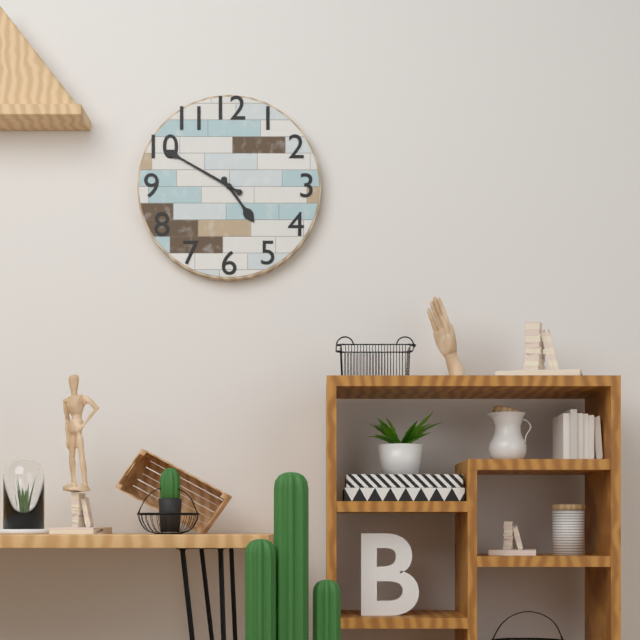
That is 4h50
